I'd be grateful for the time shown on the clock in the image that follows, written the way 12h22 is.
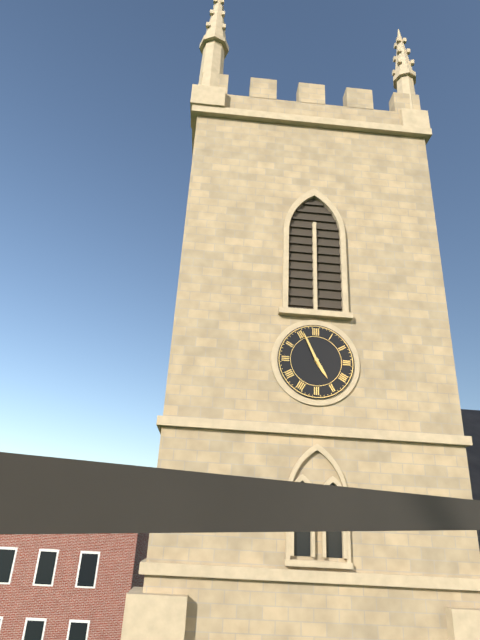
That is 4h56
